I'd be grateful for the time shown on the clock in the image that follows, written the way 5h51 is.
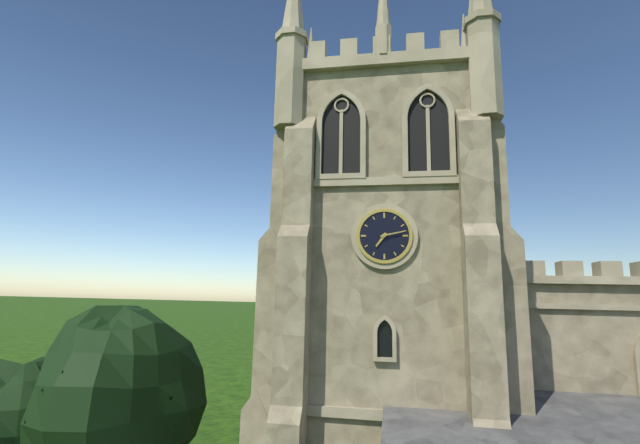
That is 7h13
